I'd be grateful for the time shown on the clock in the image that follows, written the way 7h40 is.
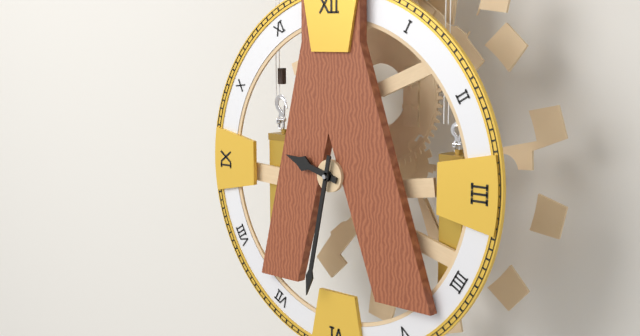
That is 9h32
